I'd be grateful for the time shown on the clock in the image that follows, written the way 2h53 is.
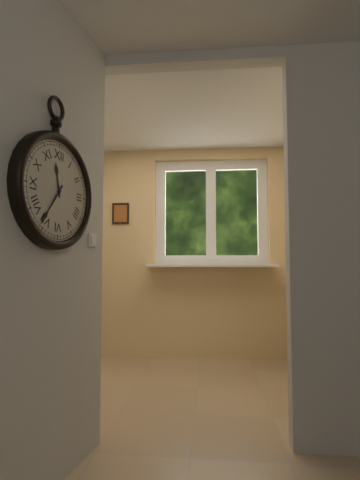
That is 11h36
